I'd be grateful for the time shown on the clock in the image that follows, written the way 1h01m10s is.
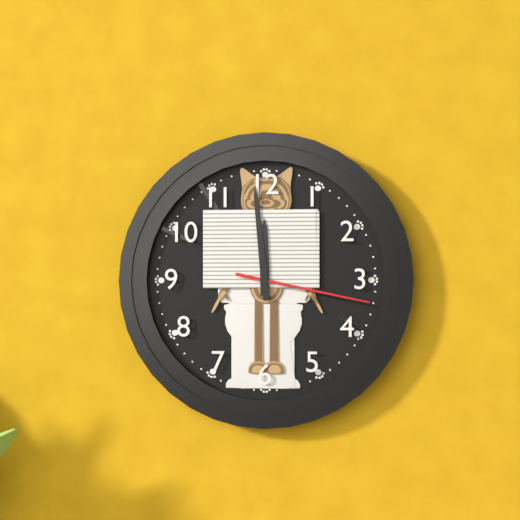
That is 11h59m17s
